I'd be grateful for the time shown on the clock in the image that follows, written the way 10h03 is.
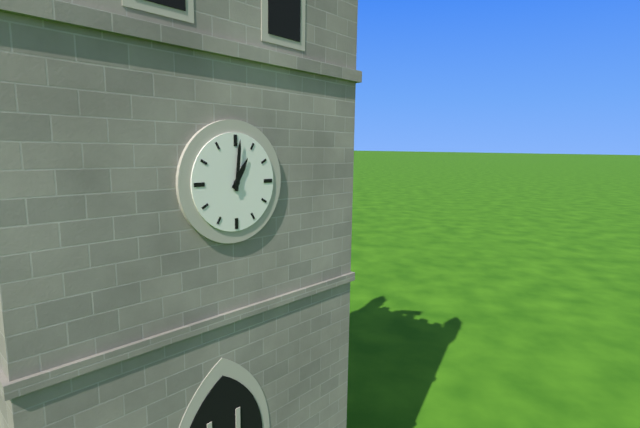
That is 1h01
